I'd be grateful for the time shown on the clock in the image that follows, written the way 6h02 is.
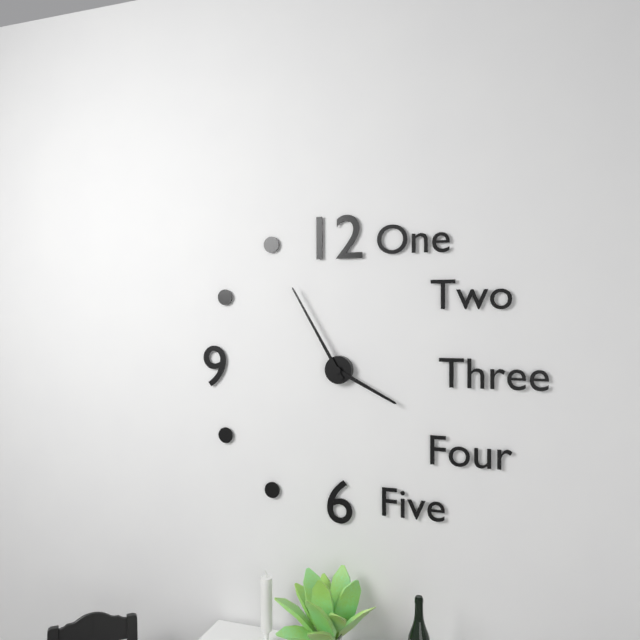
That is 3h55
